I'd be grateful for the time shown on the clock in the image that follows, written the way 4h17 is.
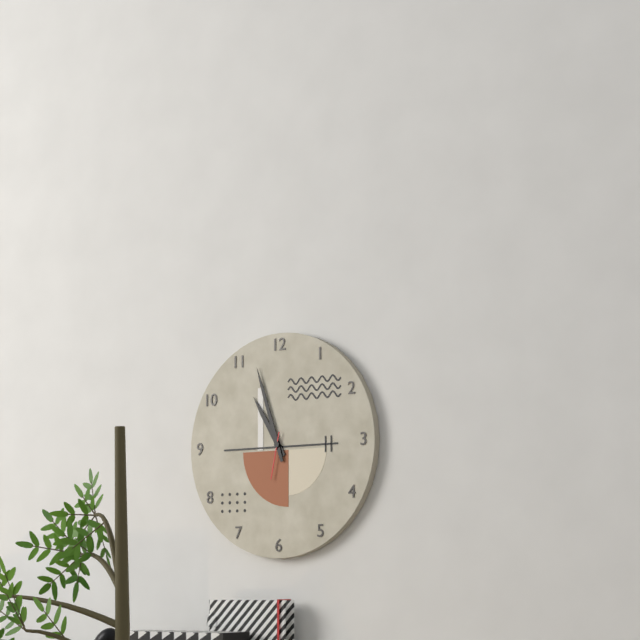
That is 10h57
